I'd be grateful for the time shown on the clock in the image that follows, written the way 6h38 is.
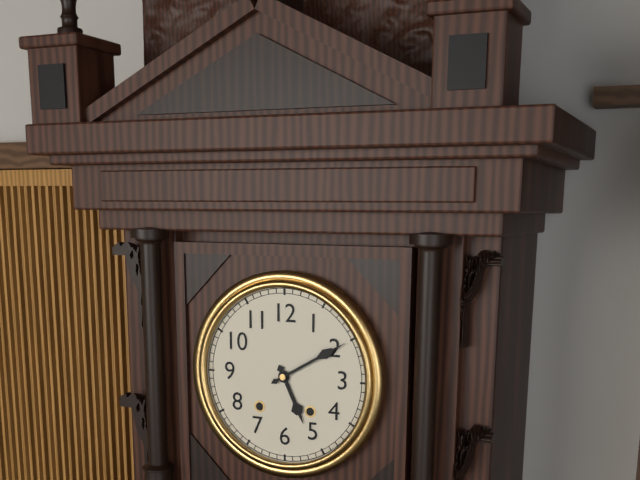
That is 5h10
